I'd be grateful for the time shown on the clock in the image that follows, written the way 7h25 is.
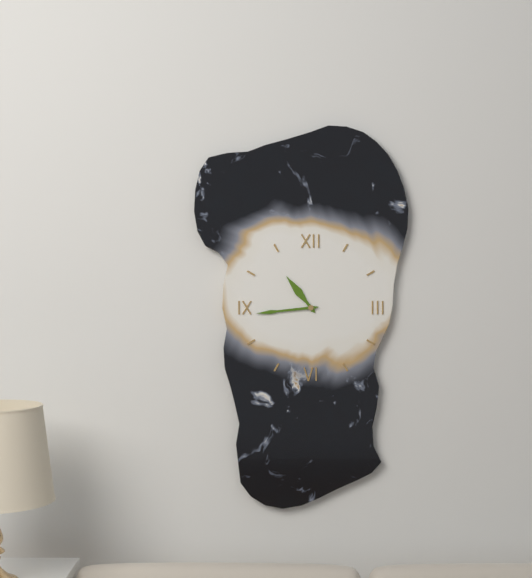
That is 10h44
